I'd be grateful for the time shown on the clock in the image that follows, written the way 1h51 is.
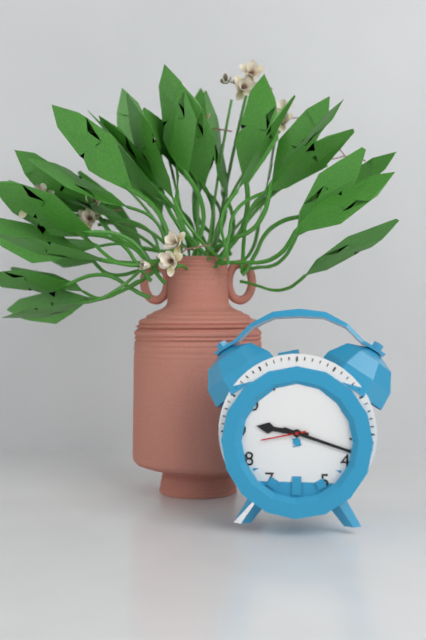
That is 9h18
